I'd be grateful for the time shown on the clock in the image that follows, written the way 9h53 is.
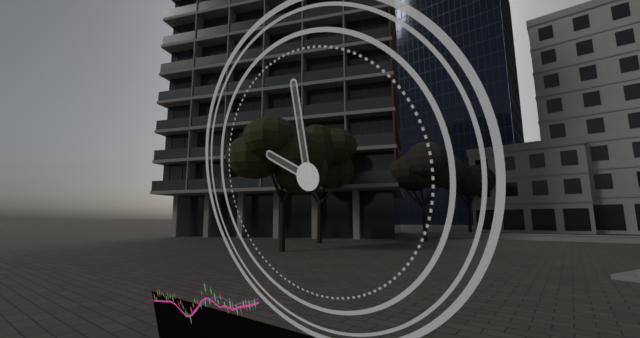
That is 10h00
